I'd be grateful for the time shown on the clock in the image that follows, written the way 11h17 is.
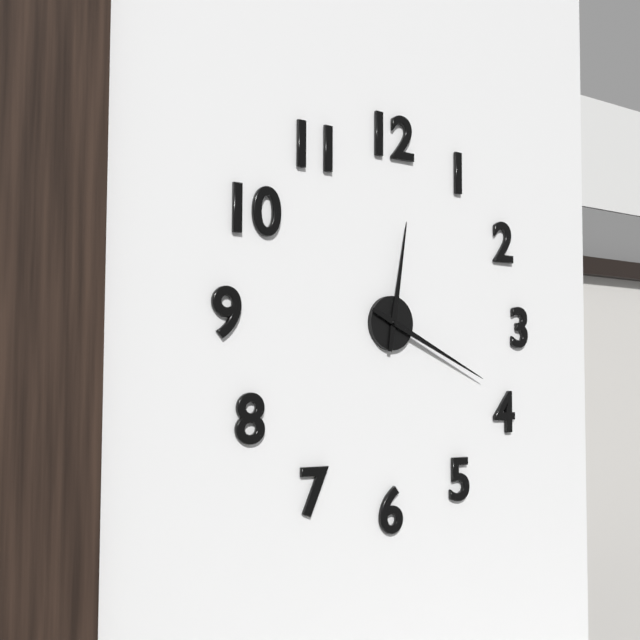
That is 12h19
